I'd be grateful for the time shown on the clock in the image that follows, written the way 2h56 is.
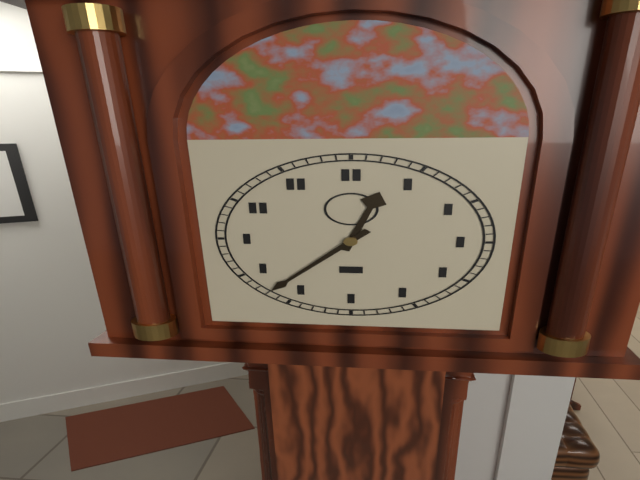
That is 12h37
